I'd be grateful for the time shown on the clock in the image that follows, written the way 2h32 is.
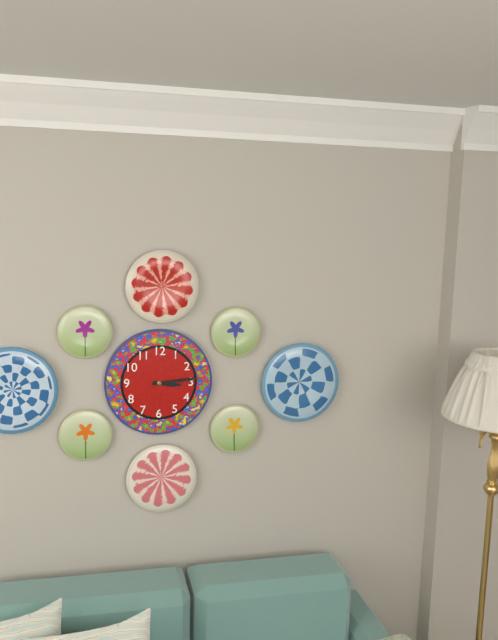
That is 3h14
